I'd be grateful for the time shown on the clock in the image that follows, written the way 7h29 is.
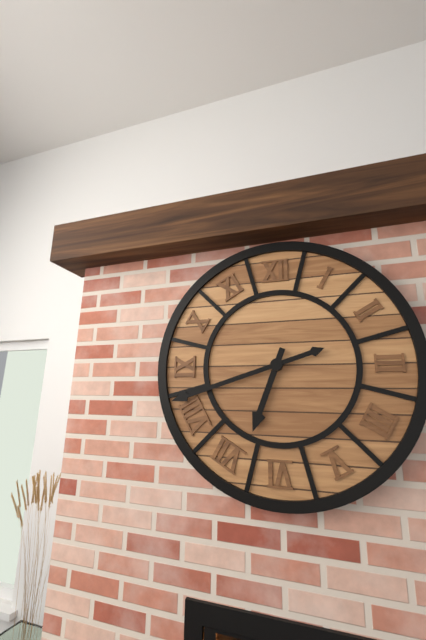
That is 6h42
